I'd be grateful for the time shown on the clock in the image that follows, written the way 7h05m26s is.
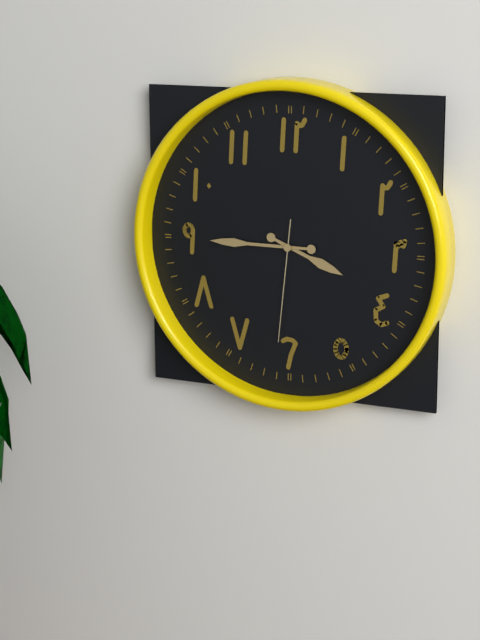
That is 3h45m31s
